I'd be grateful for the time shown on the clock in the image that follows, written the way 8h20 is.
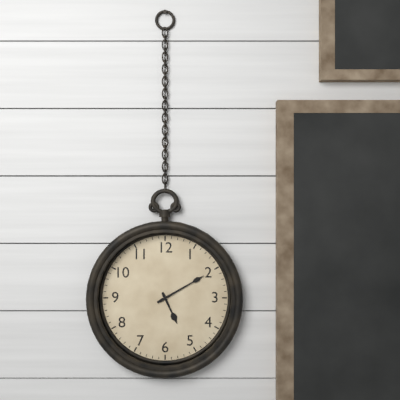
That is 5h10
